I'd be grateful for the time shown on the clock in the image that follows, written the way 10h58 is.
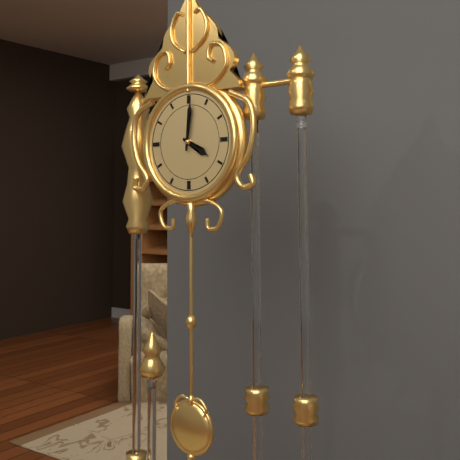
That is 4h01
